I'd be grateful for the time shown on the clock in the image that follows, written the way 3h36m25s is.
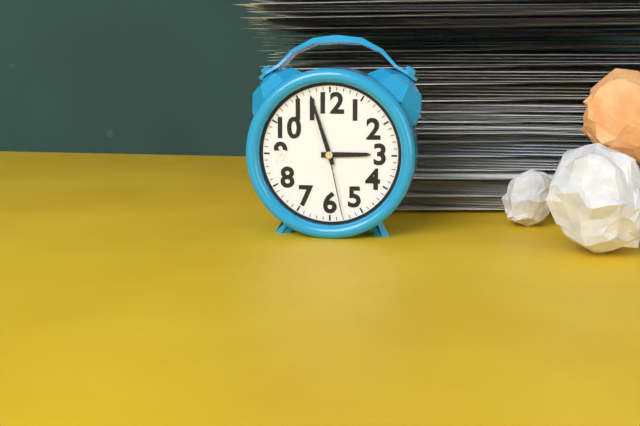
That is 2h57m28s
